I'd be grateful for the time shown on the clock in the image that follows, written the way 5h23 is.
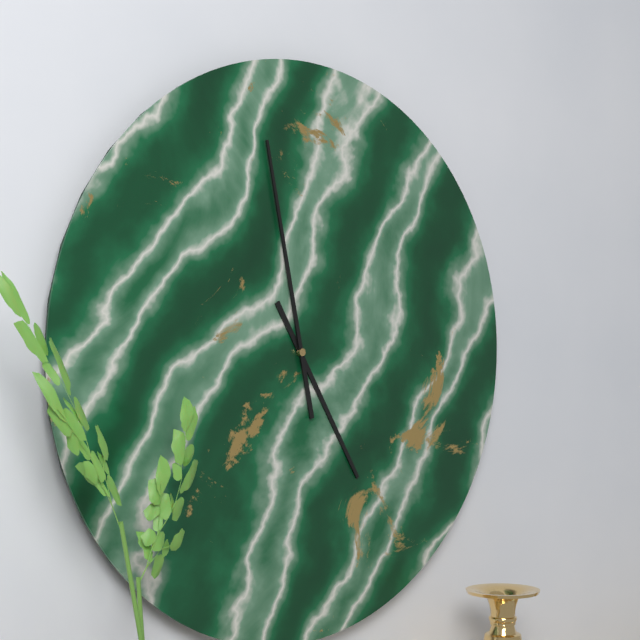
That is 4h58
